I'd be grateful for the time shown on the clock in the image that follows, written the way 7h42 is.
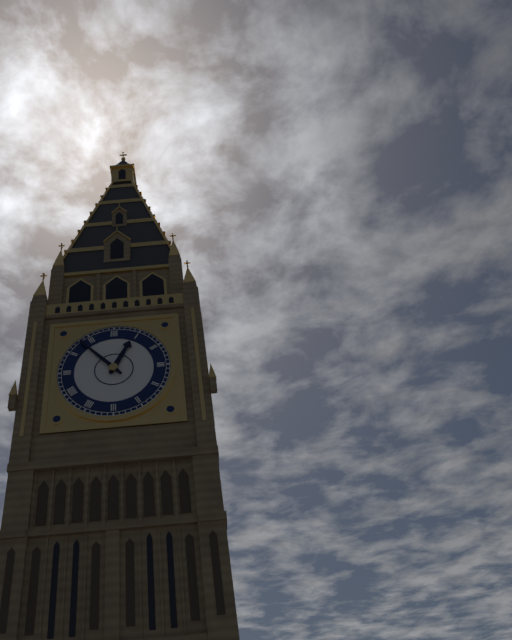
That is 12h53
